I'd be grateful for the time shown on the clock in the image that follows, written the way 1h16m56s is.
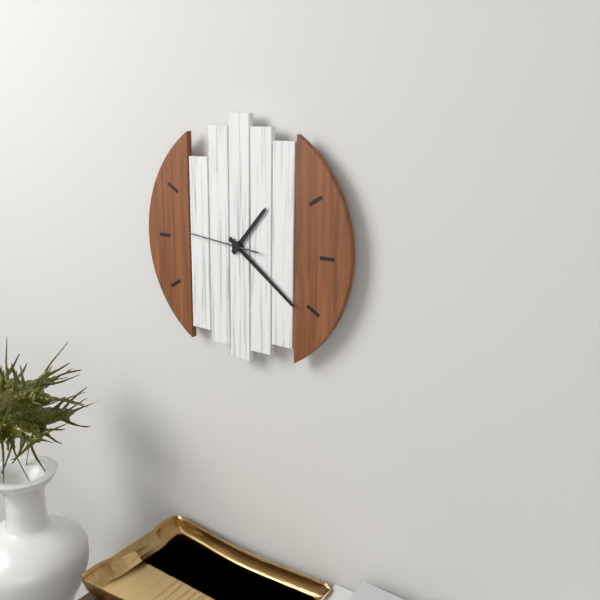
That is 1h21m46s
